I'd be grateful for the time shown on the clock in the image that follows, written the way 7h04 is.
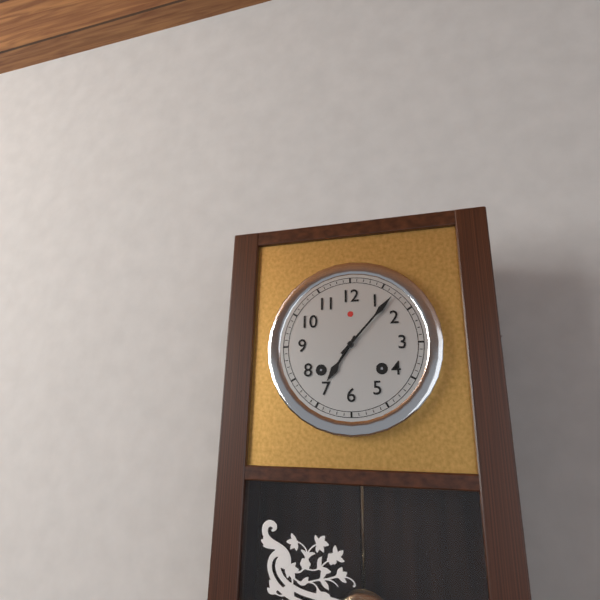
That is 7h07
